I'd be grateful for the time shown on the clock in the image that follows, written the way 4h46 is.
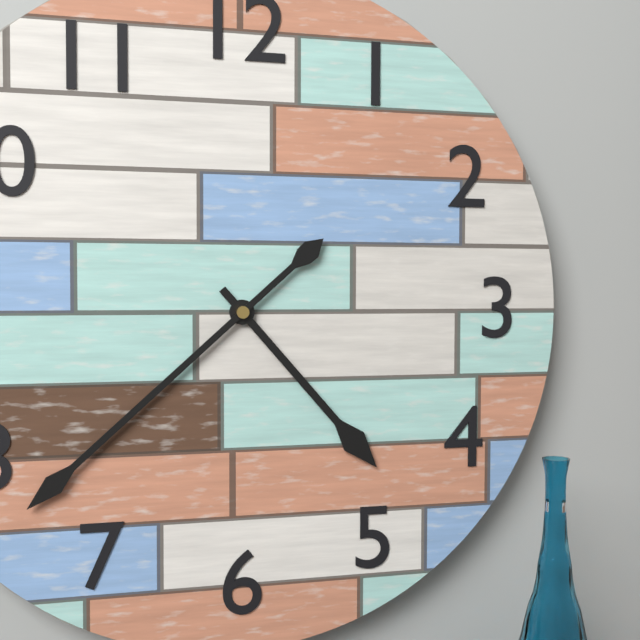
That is 4h38
